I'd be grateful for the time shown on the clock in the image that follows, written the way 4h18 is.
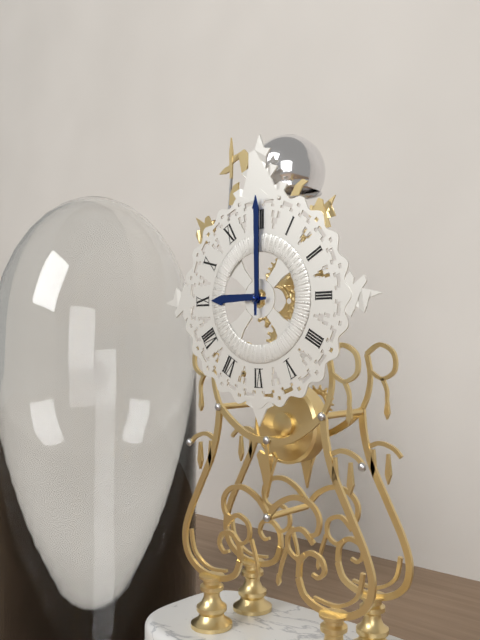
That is 9h00
